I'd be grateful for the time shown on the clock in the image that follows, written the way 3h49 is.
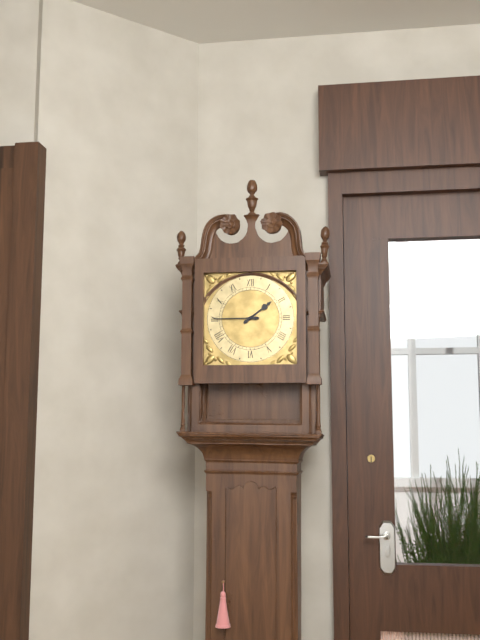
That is 1h45
